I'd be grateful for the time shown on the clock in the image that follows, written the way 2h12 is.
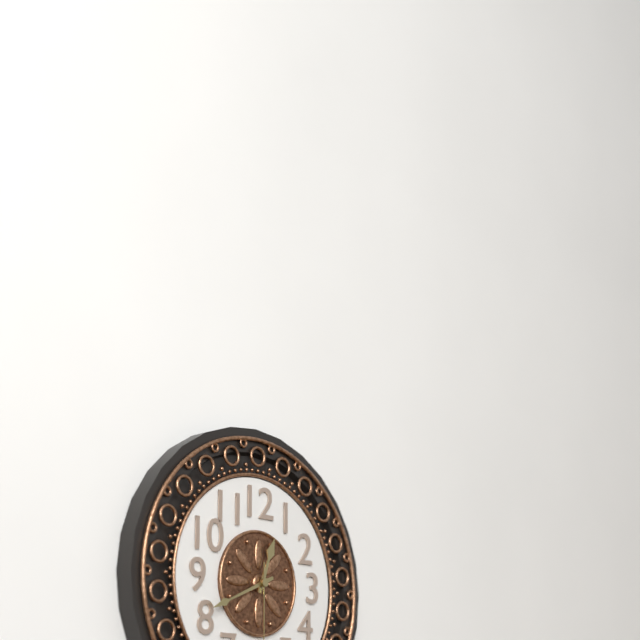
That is 12h41
